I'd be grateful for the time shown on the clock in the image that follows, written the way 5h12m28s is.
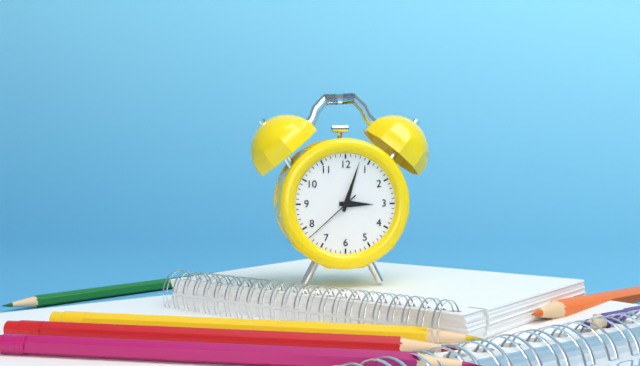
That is 3h03m38s
